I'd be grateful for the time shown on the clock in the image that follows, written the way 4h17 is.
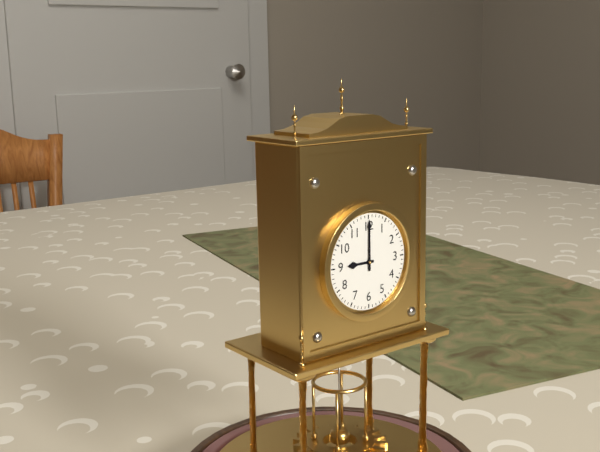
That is 9h00
